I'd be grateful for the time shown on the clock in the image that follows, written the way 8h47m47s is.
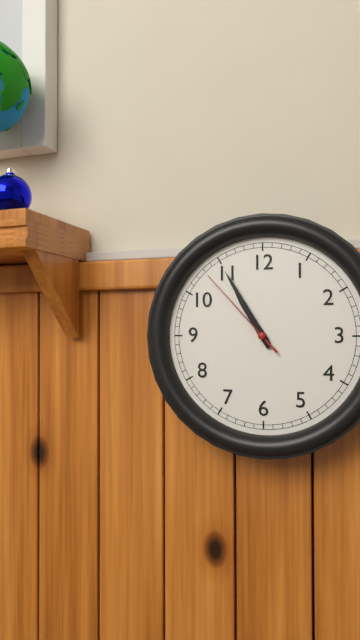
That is 10h55m53s
